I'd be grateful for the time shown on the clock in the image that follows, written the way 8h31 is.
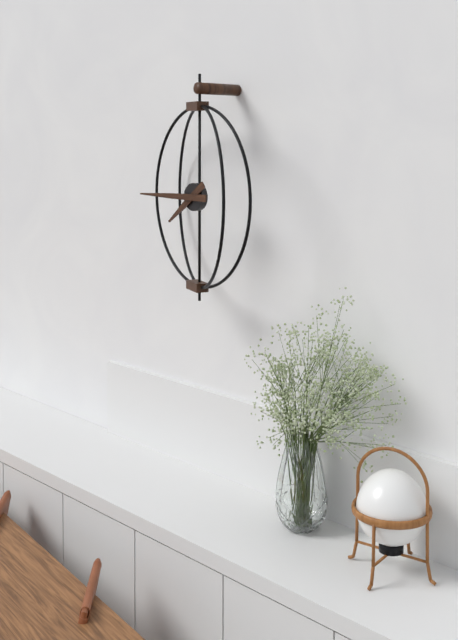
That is 7h45
